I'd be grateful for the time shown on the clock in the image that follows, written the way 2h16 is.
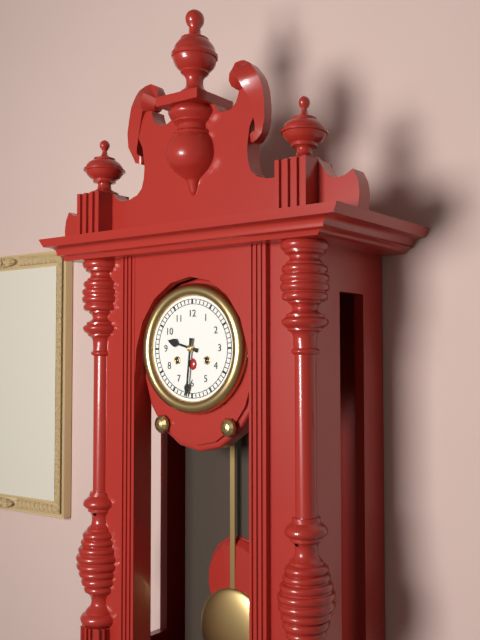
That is 9h31
